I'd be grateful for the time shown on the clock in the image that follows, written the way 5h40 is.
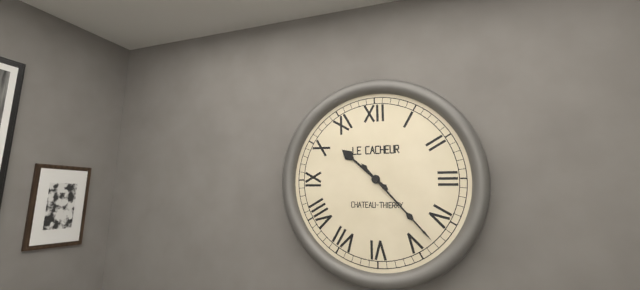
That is 10h23
